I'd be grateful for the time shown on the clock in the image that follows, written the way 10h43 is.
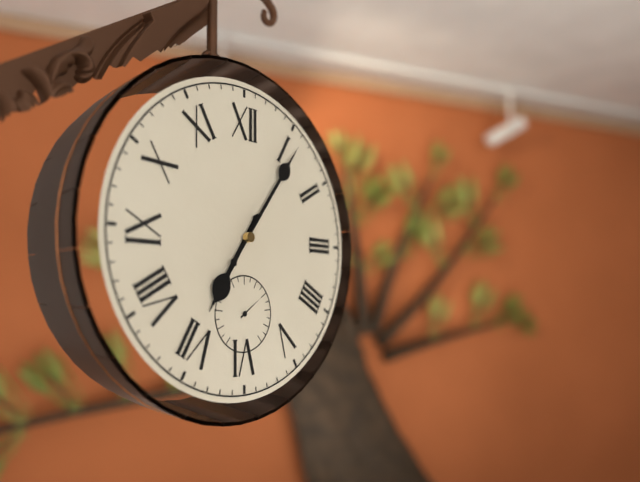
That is 7h06
